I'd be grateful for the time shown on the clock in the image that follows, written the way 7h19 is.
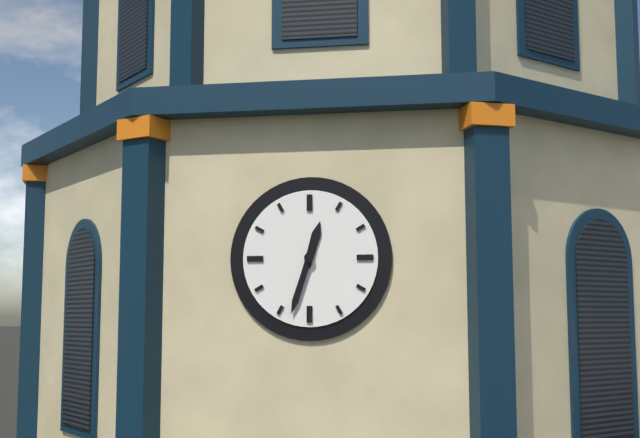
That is 12h33
